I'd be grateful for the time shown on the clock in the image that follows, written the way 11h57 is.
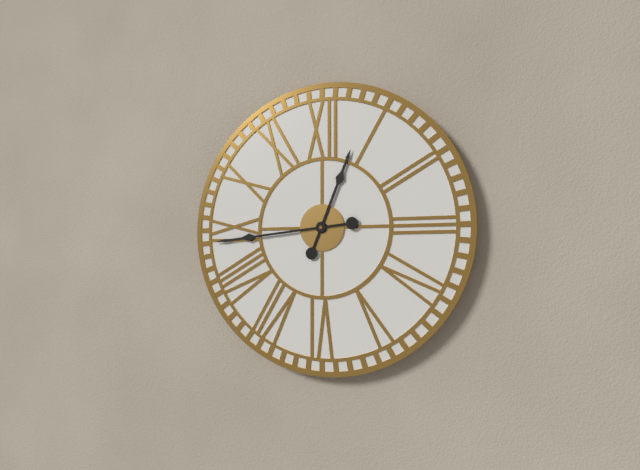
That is 12h44
